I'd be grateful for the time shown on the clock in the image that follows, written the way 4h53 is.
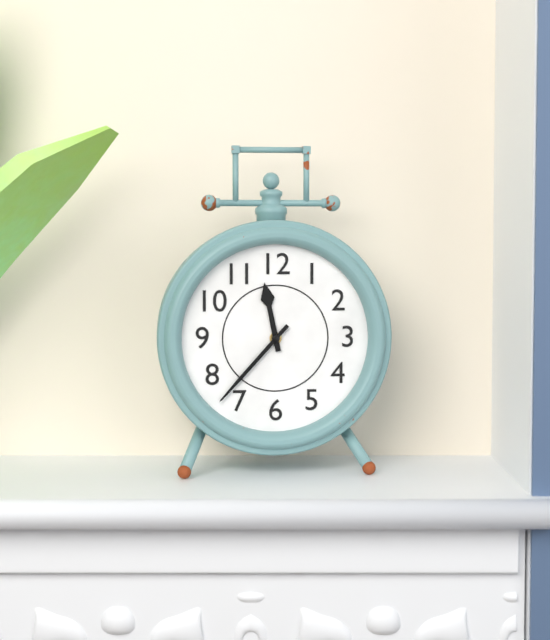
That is 11h37
